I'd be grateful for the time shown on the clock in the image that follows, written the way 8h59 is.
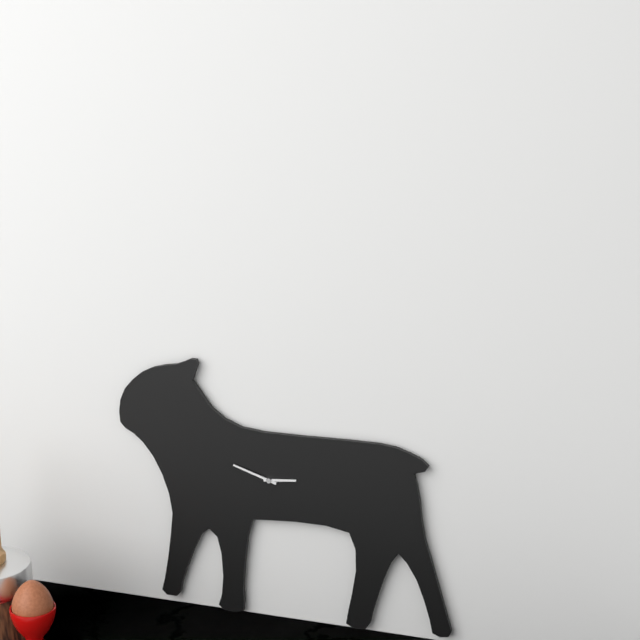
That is 2h48
